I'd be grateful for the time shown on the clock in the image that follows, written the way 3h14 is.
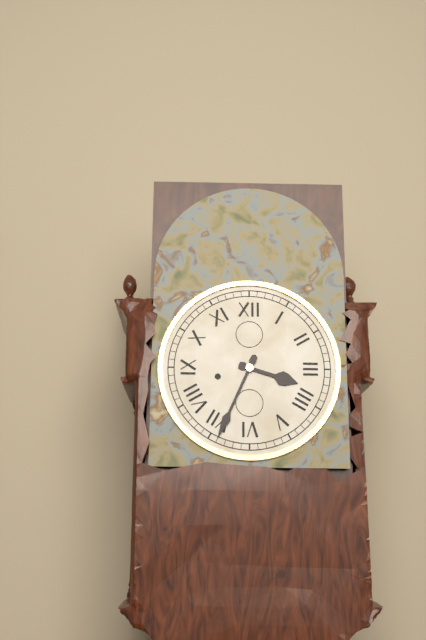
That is 3h34
